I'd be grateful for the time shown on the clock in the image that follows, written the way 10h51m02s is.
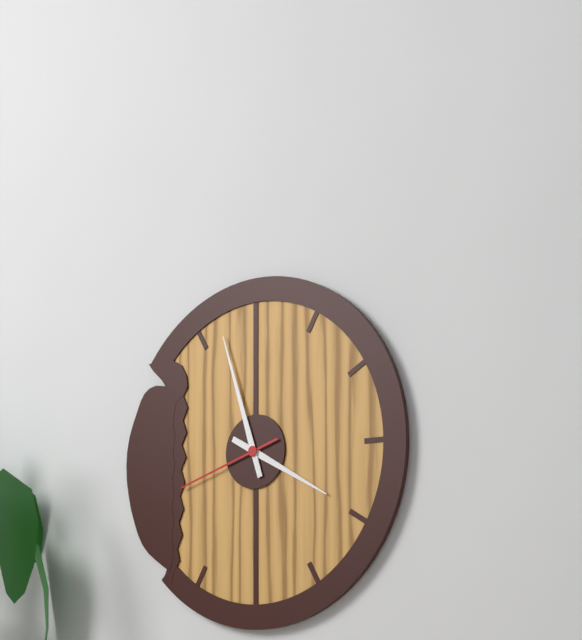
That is 3h57m42s
